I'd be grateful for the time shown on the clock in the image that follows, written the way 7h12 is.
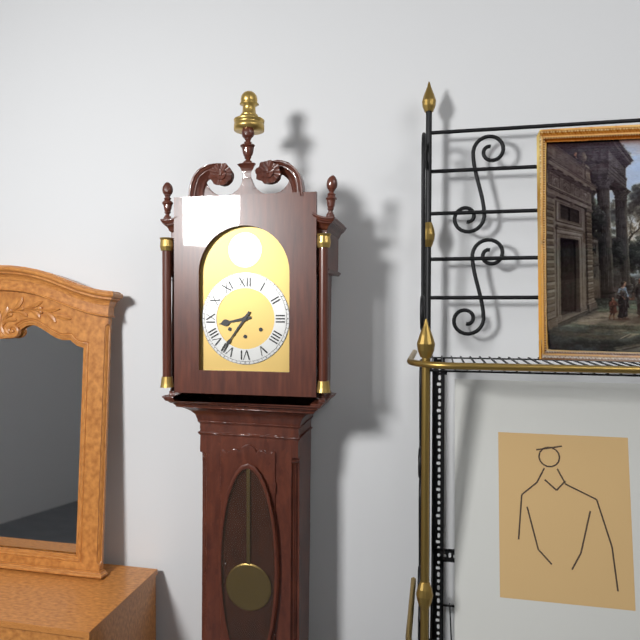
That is 8h36
